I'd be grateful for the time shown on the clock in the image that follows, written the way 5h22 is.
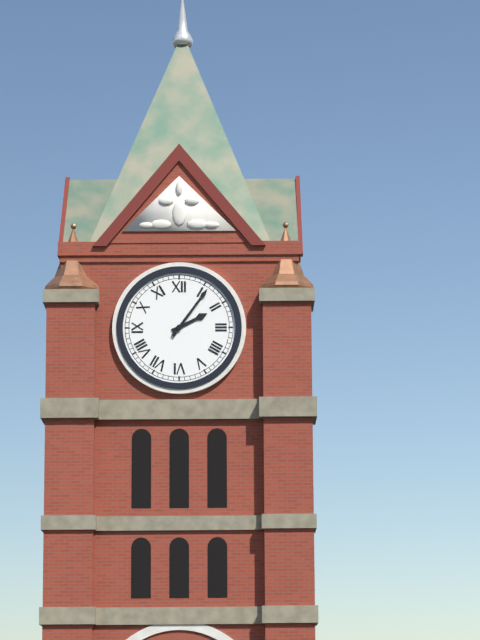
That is 2h06
